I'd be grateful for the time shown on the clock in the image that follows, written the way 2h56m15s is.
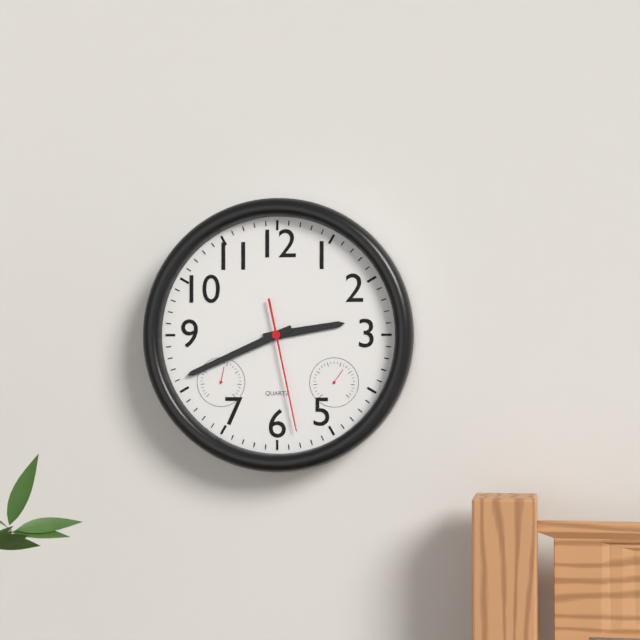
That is 2h41m28s
